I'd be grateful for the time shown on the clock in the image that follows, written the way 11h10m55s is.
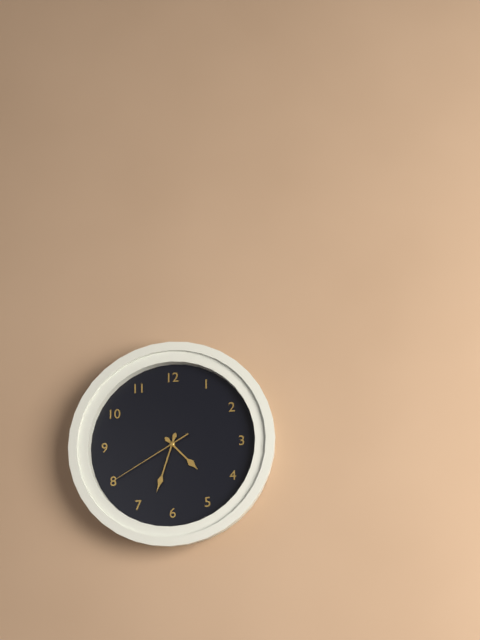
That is 4h33m40s
